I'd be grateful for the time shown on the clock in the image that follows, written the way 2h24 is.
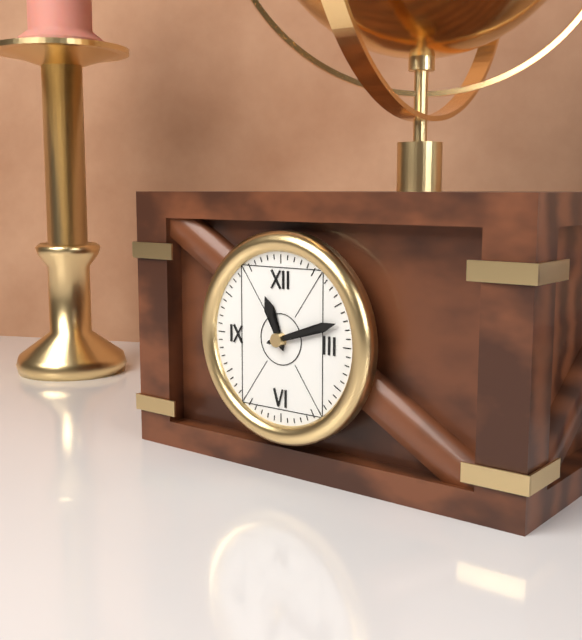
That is 11h12
